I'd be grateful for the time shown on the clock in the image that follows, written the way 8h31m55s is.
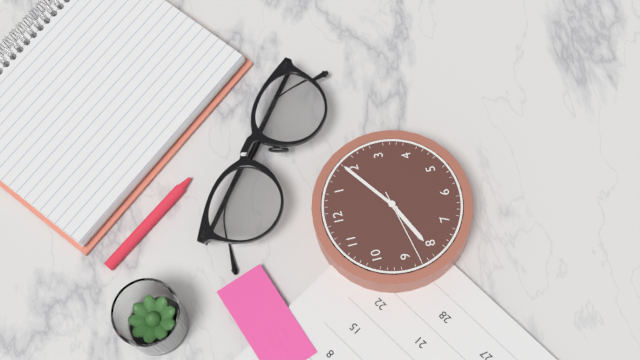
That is 8h09m43s
